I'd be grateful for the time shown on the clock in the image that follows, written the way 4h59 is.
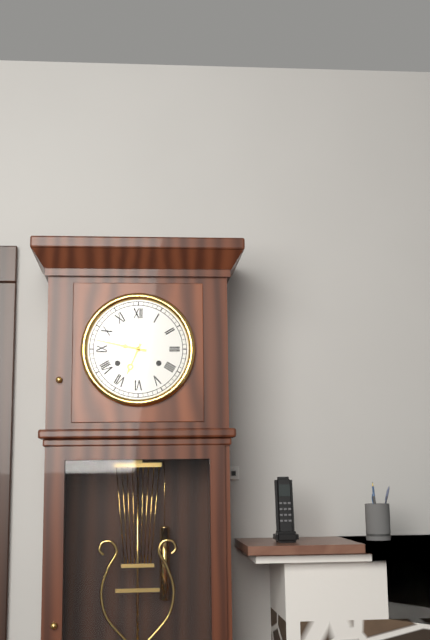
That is 6h47
